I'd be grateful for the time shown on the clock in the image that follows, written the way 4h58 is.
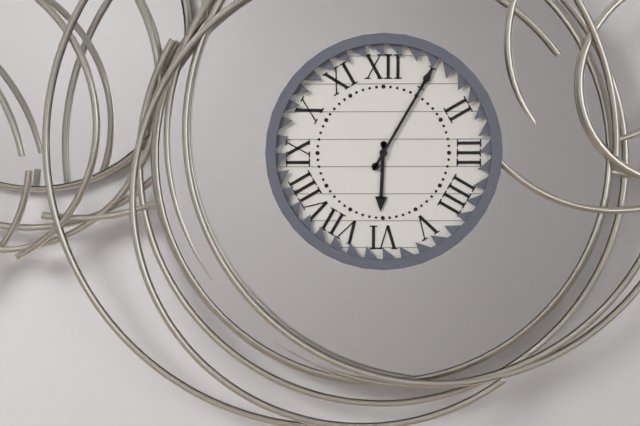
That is 6h05
